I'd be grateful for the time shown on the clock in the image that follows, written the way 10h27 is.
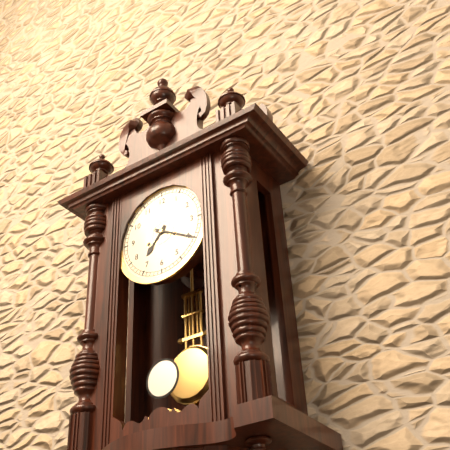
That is 7h20
